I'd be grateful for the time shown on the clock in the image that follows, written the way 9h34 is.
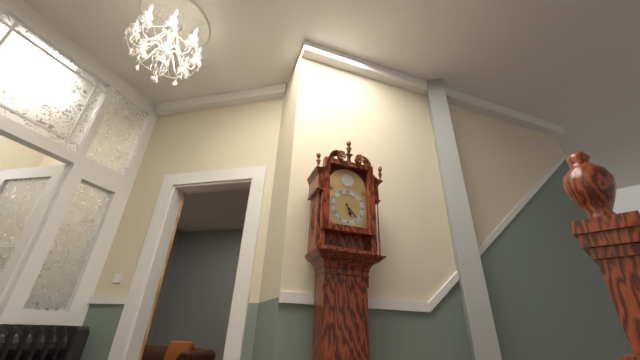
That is 5h23
